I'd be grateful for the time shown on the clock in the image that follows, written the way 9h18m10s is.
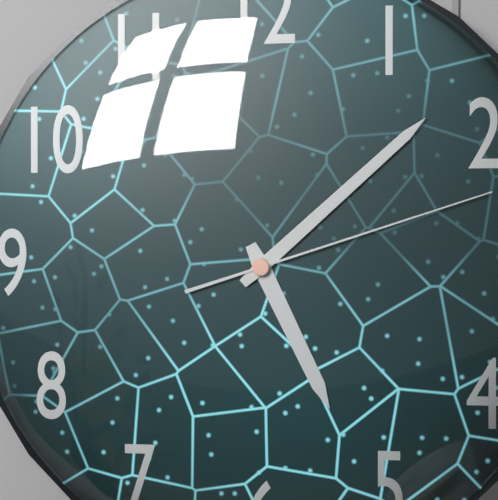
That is 5h08m12s
